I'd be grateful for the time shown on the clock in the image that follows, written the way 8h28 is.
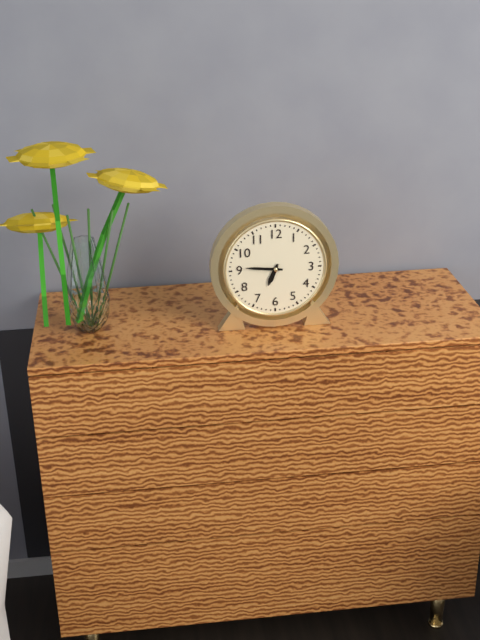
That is 6h46
